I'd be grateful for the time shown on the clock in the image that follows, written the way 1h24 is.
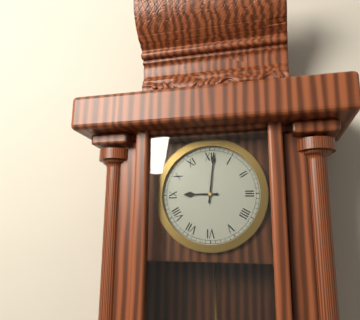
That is 9h01
